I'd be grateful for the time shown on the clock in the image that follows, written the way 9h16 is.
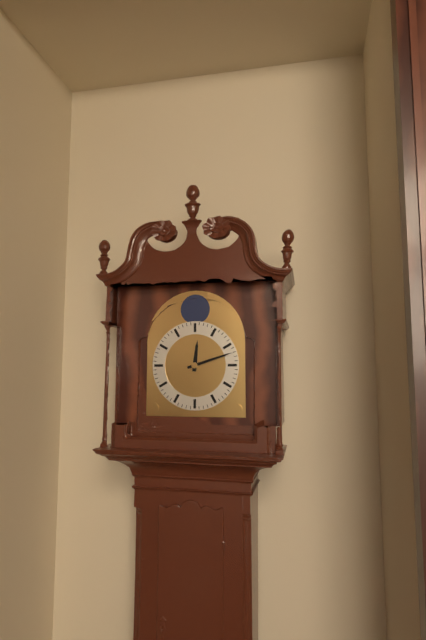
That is 12h12
